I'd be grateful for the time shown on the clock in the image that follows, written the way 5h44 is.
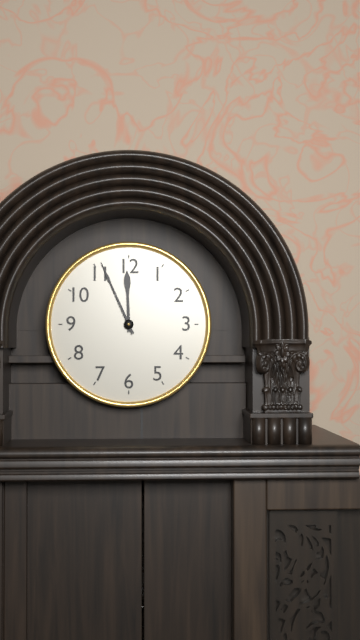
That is 11h56
